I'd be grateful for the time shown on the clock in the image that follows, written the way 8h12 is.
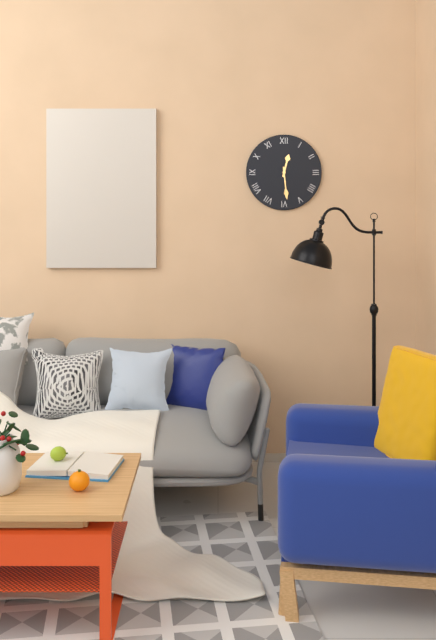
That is 12h29
